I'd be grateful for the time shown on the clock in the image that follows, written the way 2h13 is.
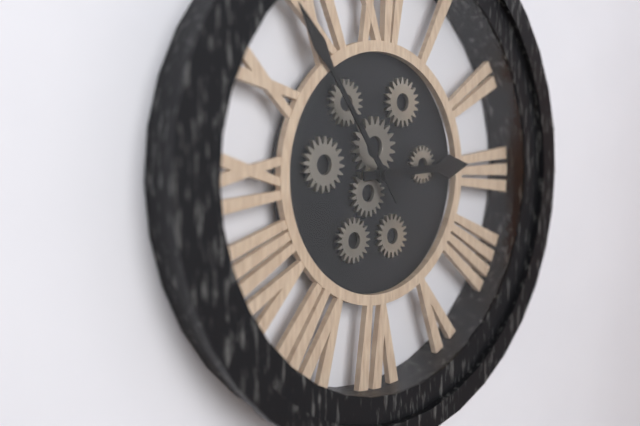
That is 2h54
